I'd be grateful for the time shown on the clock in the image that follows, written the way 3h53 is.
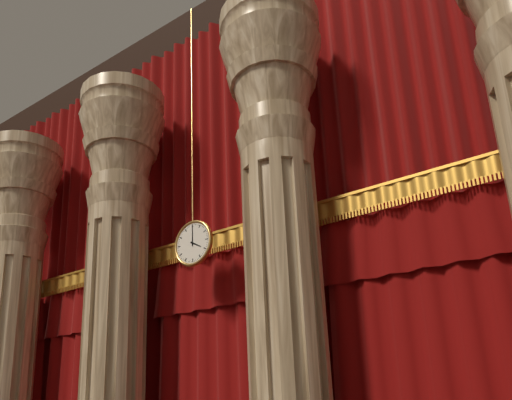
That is 4h00
